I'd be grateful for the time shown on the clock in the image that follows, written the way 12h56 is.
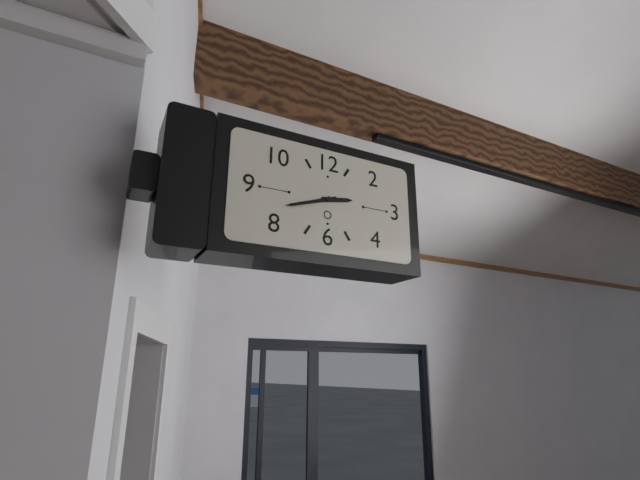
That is 2h42
